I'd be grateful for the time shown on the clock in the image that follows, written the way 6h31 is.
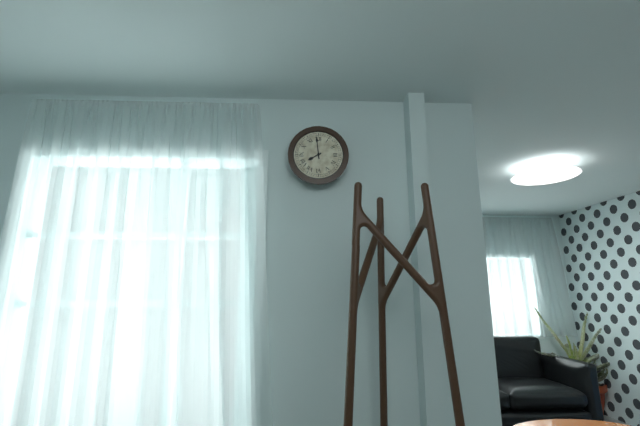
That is 7h59
